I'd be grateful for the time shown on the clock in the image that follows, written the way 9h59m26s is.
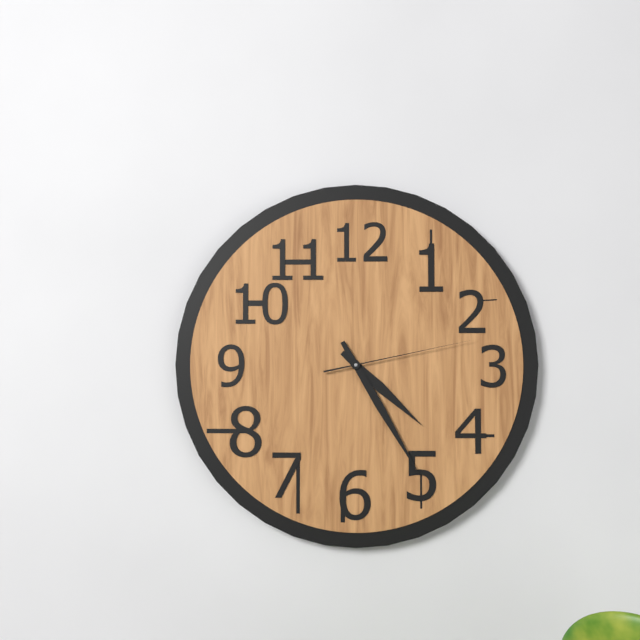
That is 4h25m13s
